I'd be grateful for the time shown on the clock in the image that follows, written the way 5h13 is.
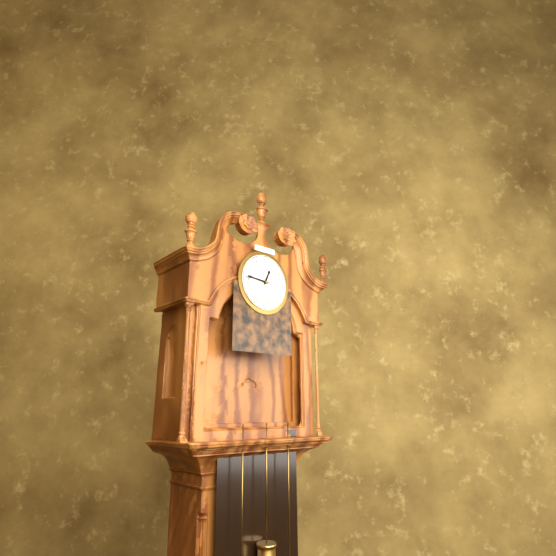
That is 12h46
